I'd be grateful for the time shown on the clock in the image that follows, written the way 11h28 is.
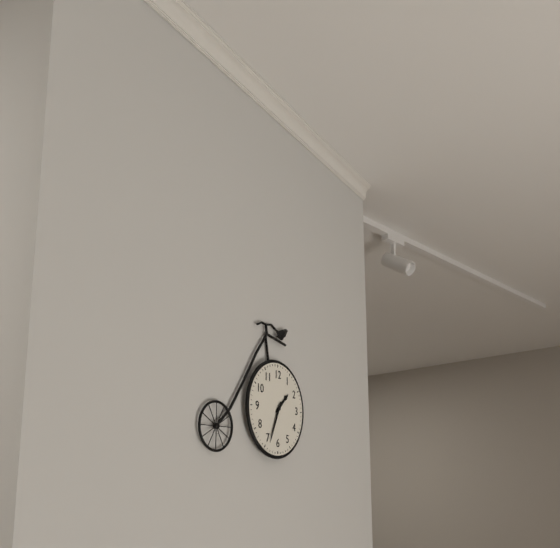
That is 1h34
